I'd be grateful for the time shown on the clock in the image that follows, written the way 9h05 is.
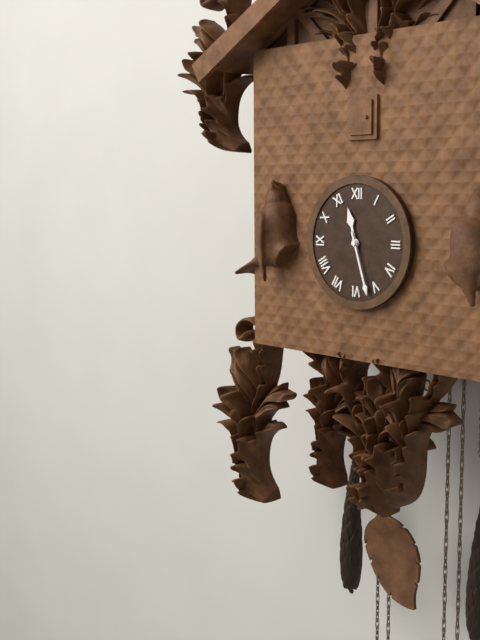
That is 11h27
